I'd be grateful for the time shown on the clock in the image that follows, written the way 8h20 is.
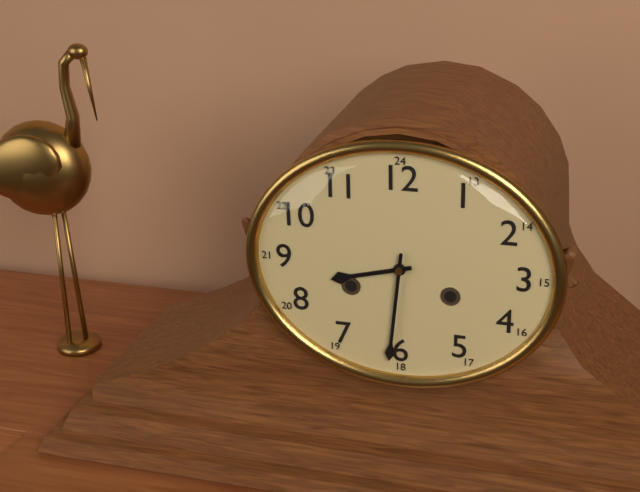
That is 8h31
